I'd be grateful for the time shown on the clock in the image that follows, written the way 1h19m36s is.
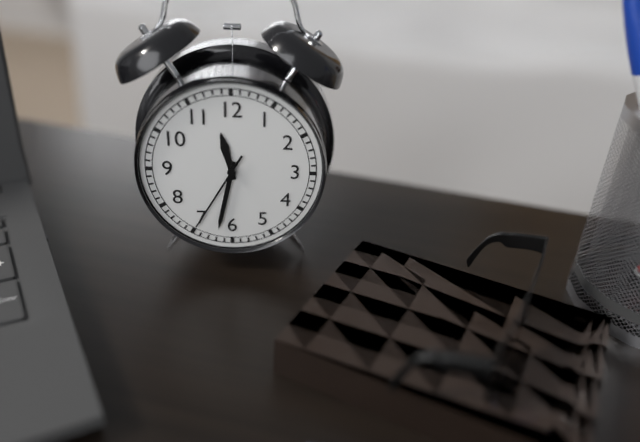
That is 11h32m35s
